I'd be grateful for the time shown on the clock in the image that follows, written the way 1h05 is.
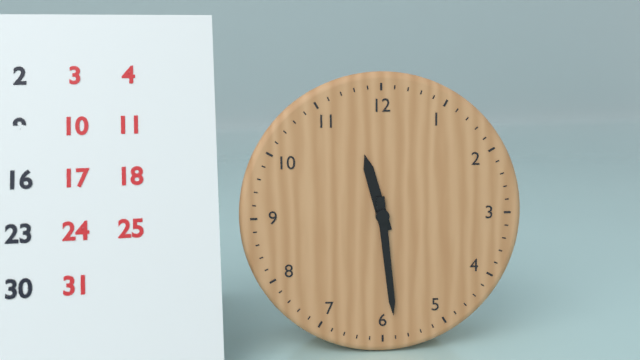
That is 11h29
